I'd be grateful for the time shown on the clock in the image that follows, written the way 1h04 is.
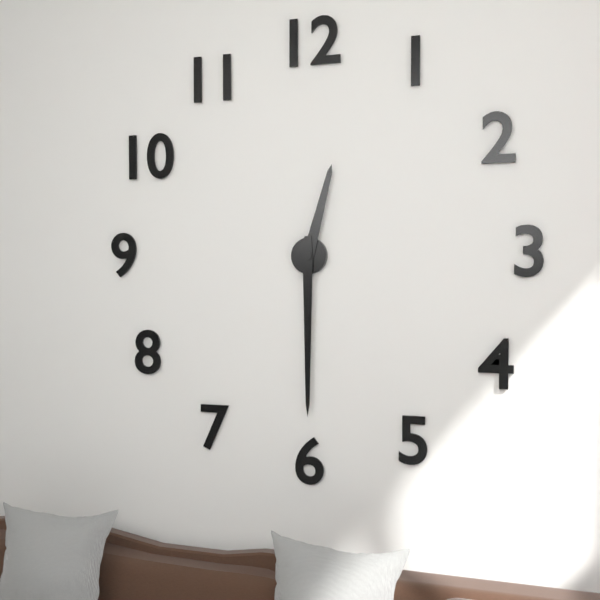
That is 12h30
